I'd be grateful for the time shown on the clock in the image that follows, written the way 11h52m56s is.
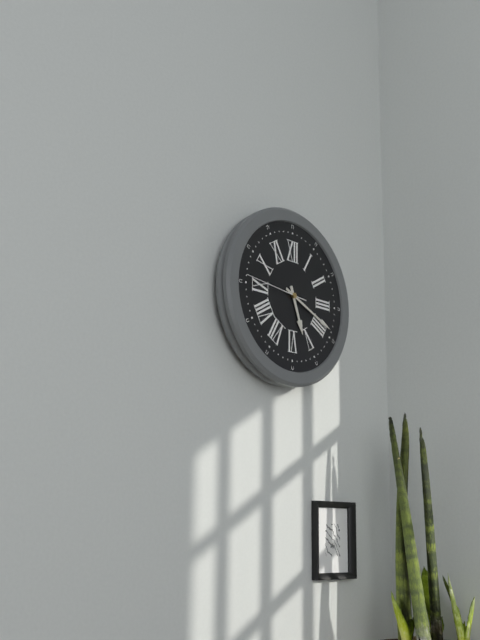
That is 5h19m46s
